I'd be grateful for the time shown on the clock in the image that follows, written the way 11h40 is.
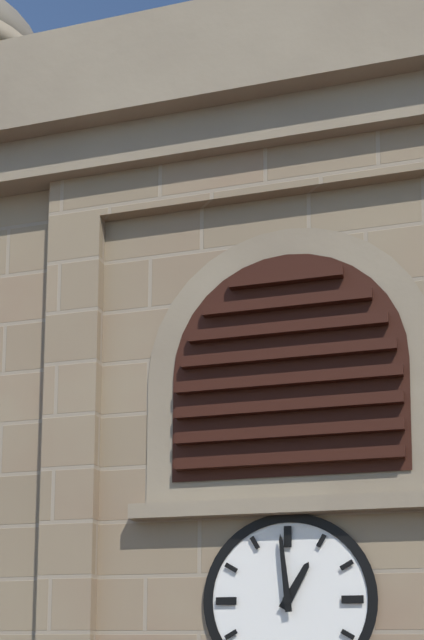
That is 12h59
